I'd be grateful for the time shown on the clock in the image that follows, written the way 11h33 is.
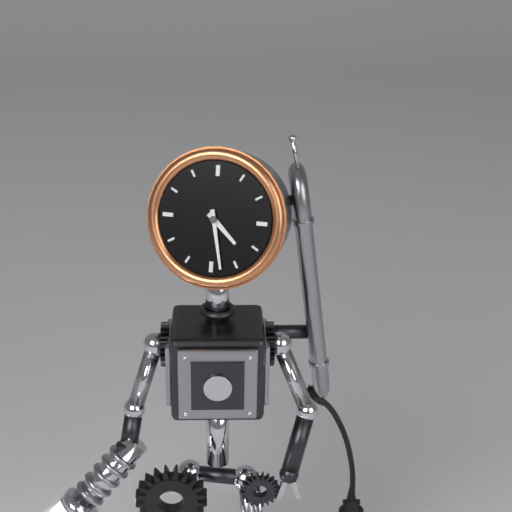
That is 4h28
